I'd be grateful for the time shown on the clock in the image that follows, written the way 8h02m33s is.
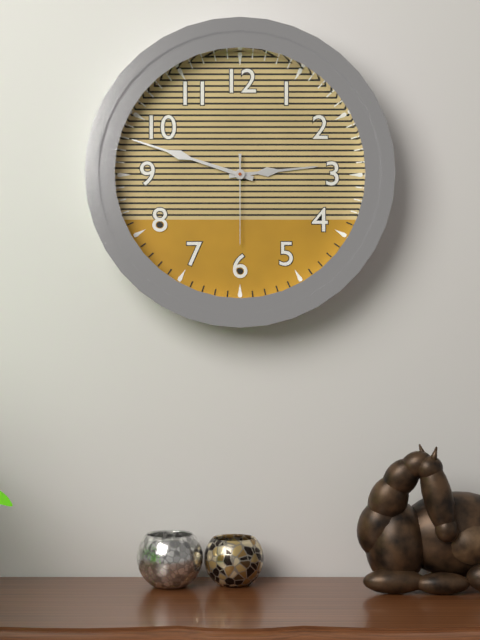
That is 2h48m30s
